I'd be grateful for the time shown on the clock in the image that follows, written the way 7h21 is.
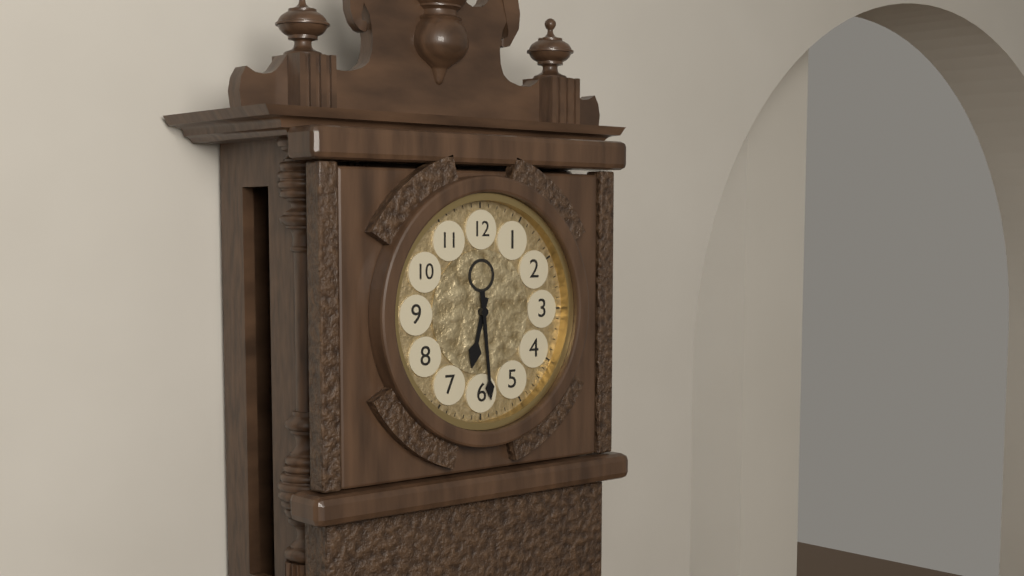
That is 6h29
